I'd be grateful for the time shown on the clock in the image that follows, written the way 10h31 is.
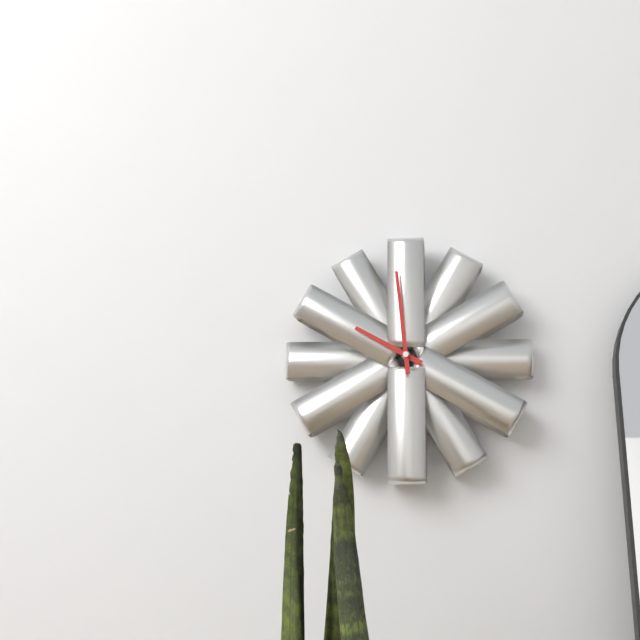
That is 9h59
